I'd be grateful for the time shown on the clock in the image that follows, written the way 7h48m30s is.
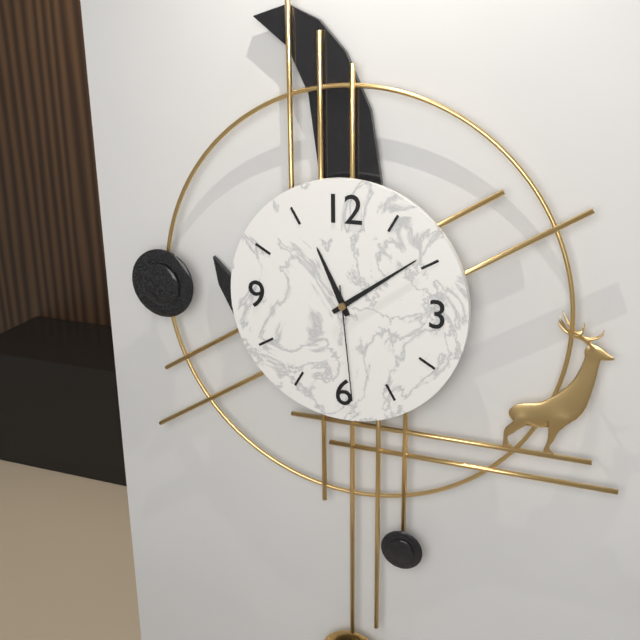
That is 11h09m29s
